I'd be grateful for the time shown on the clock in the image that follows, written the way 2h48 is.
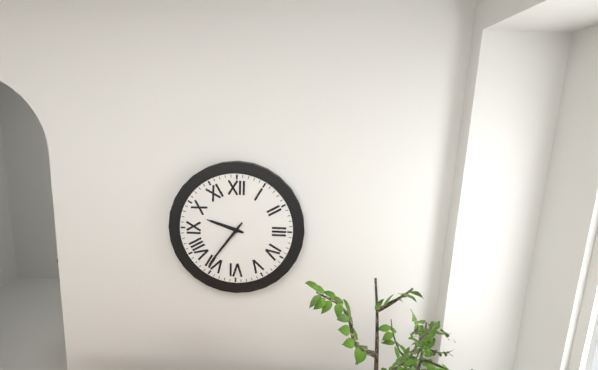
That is 9h36
